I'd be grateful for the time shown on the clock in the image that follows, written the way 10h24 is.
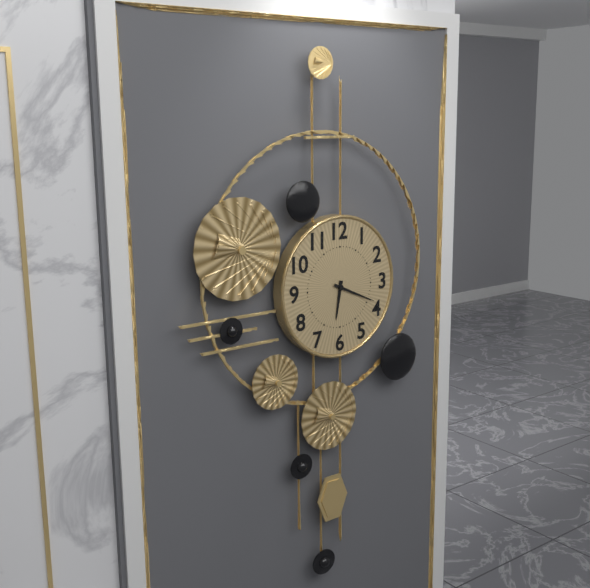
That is 6h19
